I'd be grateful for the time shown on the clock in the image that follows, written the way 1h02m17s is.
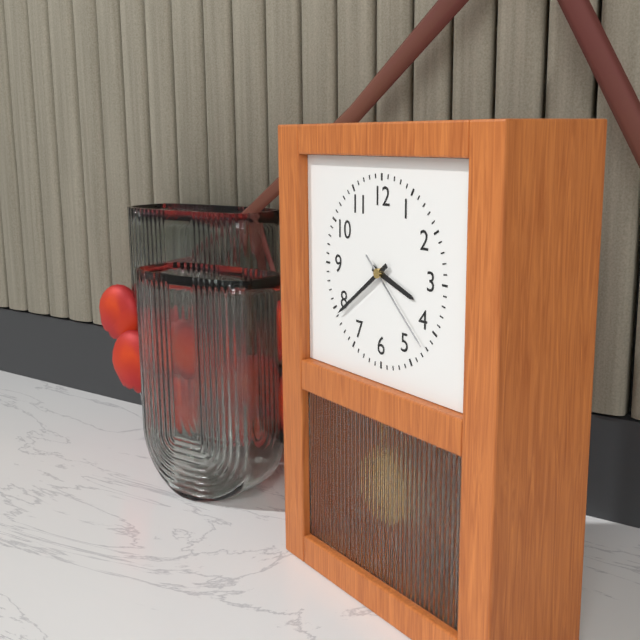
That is 3h39m22s
